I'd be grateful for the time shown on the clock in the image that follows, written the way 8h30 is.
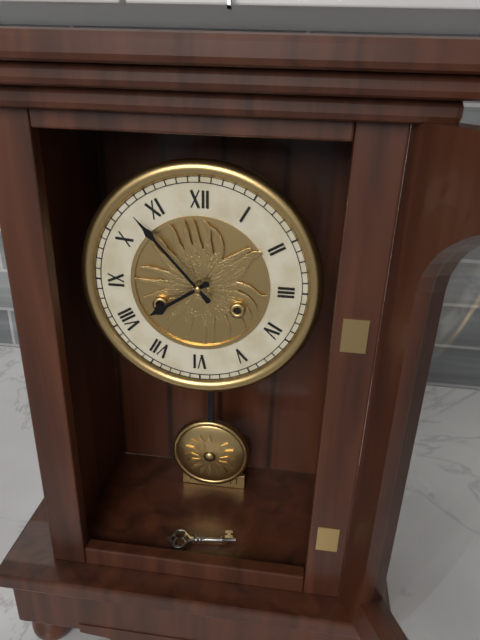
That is 7h53
